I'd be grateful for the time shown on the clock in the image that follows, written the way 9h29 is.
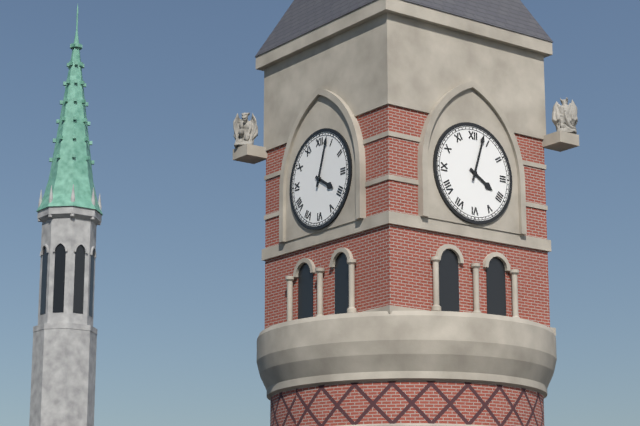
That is 4h03
